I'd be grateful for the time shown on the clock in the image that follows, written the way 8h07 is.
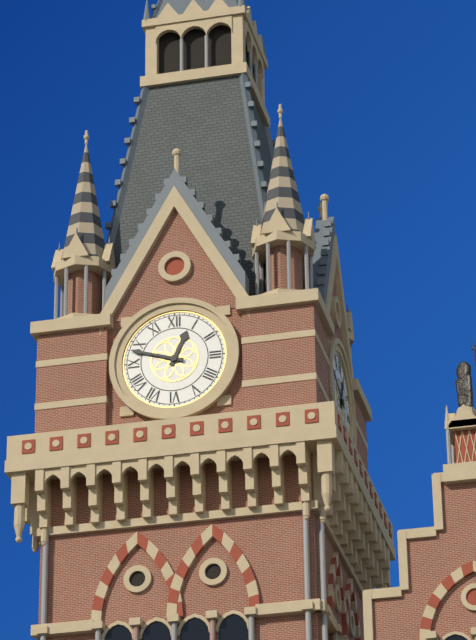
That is 12h48
